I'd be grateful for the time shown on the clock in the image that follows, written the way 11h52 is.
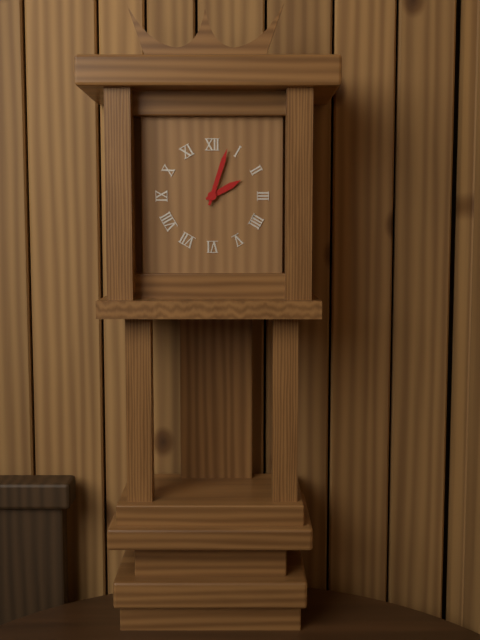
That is 2h03
